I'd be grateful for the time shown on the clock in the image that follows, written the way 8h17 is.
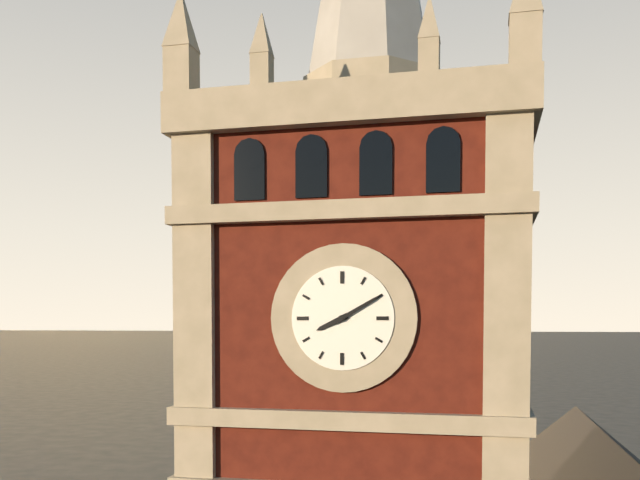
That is 8h10
